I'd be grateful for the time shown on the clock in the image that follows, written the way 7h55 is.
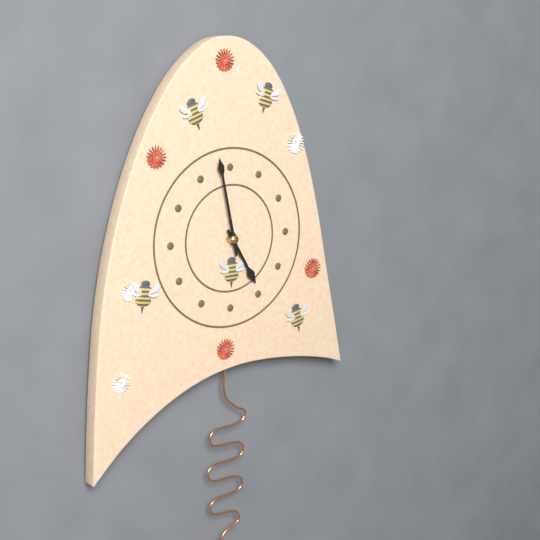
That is 4h58
